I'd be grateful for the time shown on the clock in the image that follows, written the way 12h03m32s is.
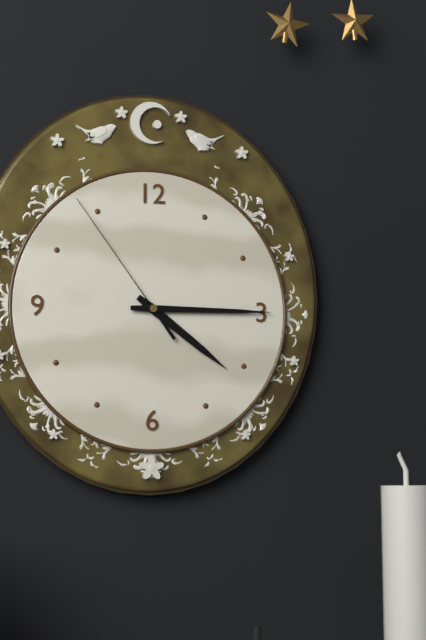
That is 4h15m54s
